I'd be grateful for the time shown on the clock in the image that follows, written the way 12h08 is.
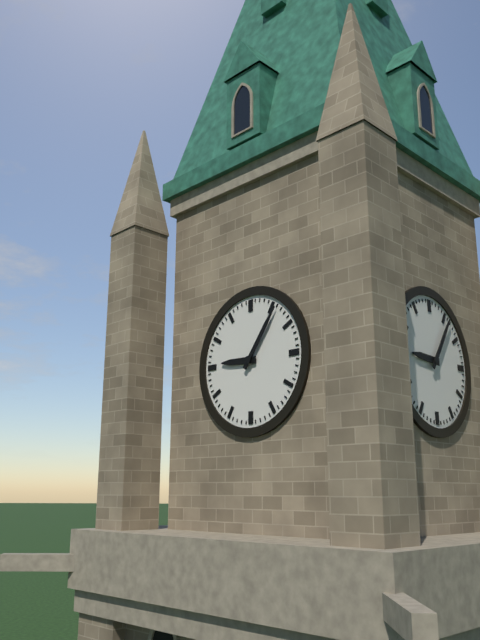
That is 9h06
